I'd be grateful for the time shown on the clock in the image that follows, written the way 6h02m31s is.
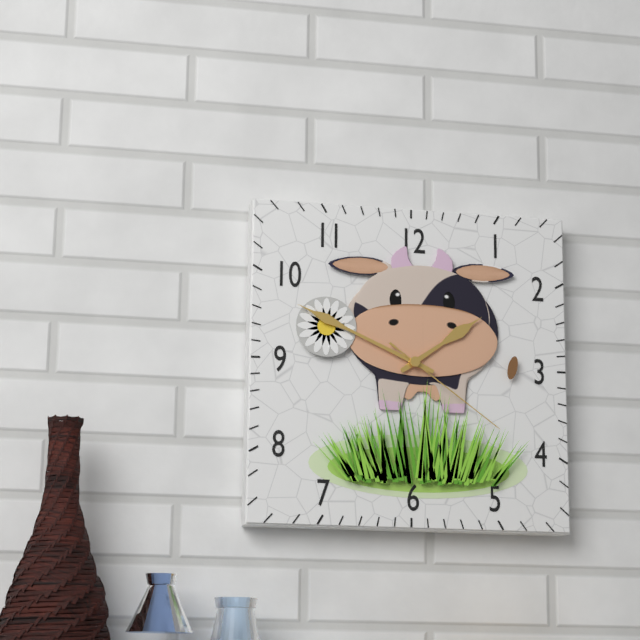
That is 1h49m21s
